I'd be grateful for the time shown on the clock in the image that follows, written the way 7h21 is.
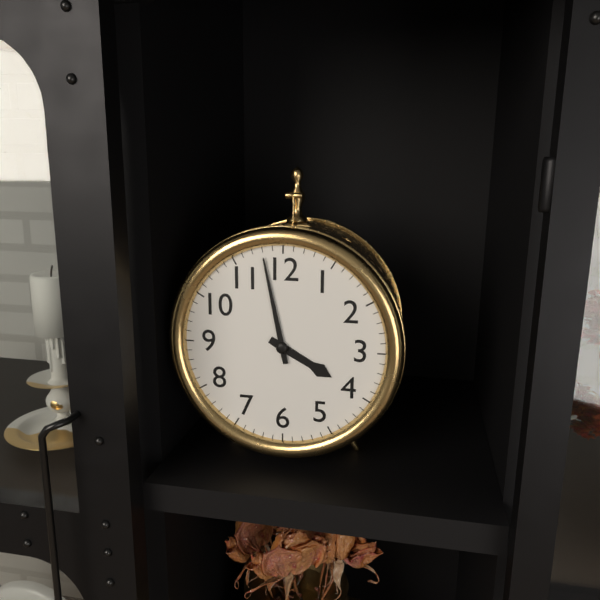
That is 3h58
